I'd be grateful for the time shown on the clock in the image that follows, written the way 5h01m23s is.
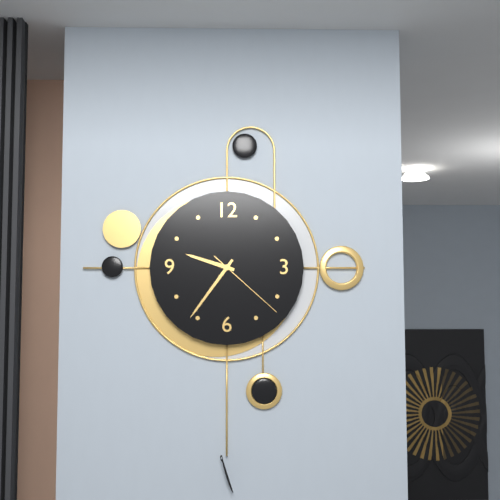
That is 9h36m22s
